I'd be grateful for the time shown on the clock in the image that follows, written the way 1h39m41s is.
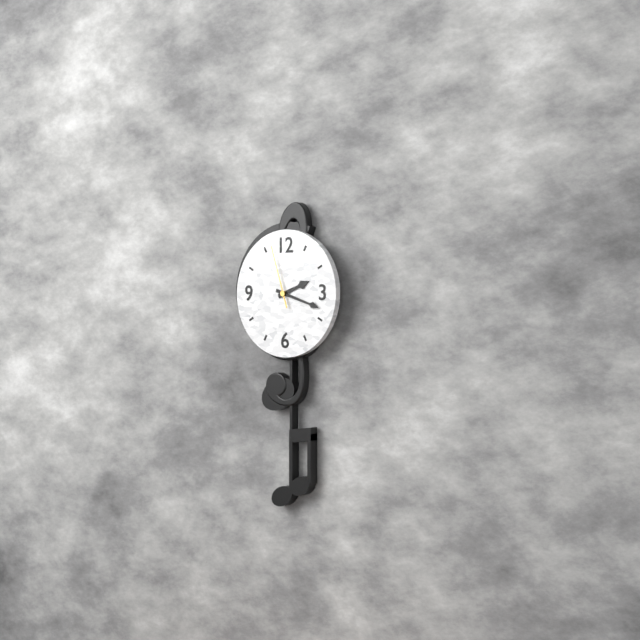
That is 2h18m57s
